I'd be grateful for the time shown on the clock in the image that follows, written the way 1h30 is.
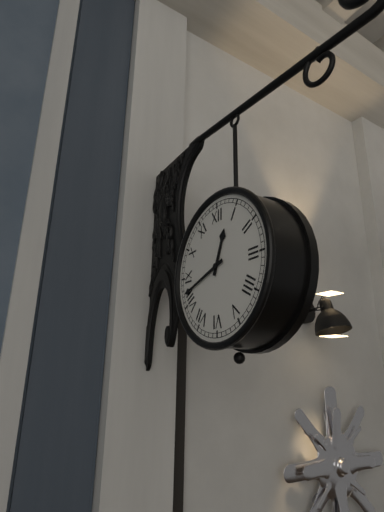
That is 12h42
